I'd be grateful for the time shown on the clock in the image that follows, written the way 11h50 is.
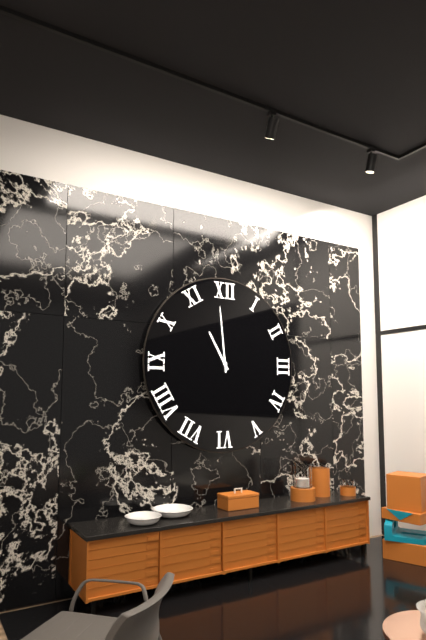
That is 10h59
